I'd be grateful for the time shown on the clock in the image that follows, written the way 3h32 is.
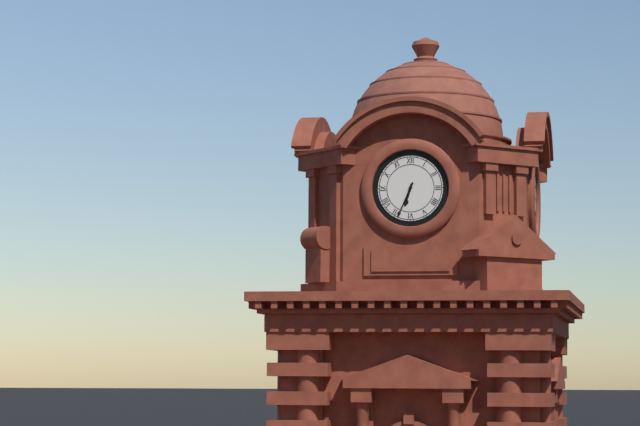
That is 6h34
